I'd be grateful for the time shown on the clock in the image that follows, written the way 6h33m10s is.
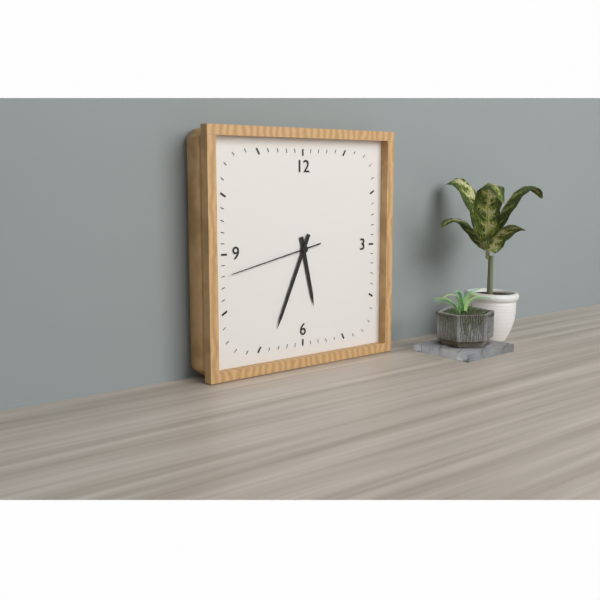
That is 5h34m43s
